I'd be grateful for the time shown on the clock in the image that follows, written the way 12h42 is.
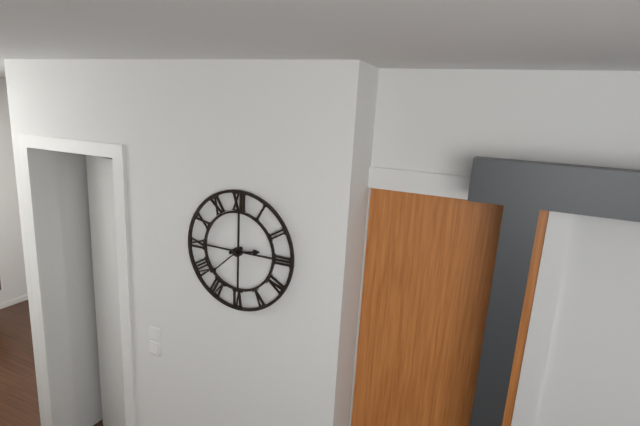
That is 2h38
